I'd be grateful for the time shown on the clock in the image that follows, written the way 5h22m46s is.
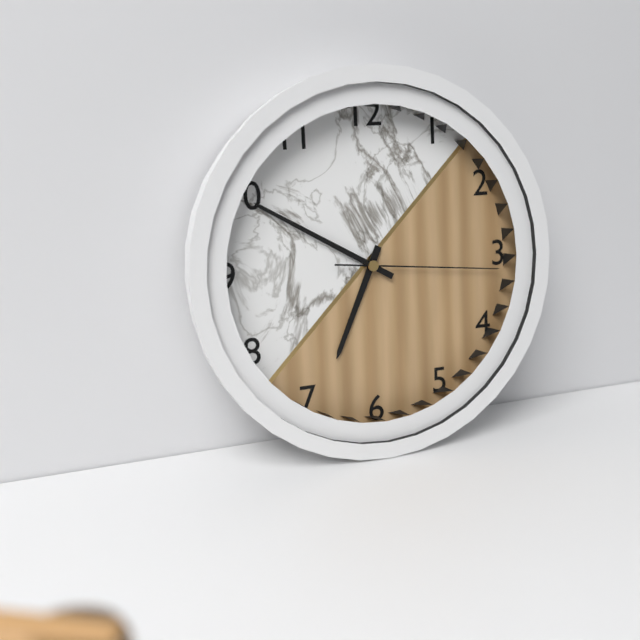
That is 6h50m16s
